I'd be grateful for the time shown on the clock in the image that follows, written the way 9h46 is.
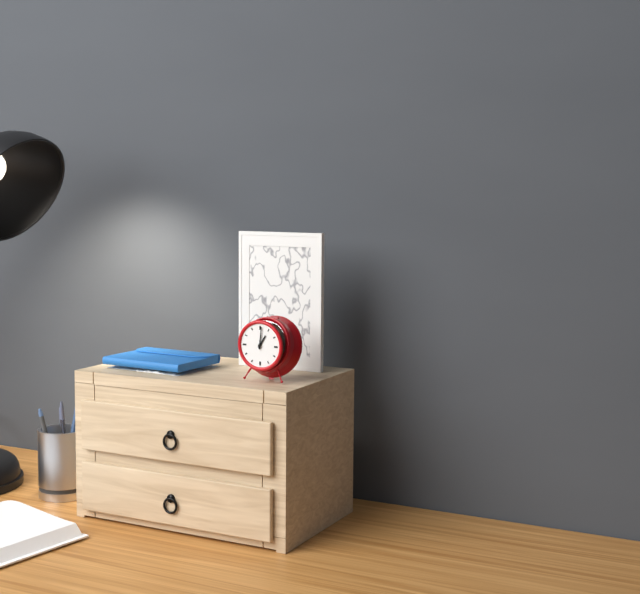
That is 1h01
